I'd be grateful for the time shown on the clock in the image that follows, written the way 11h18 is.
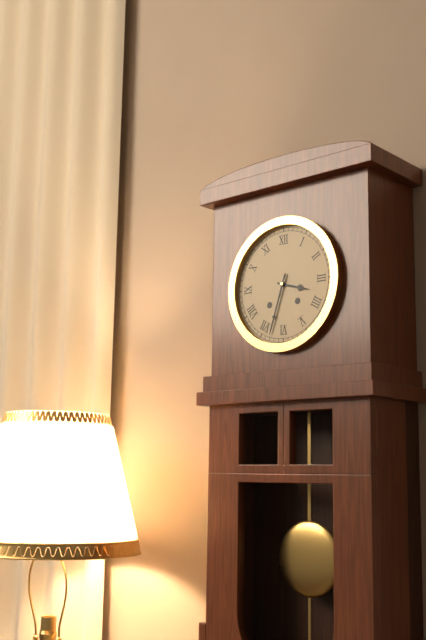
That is 3h33
